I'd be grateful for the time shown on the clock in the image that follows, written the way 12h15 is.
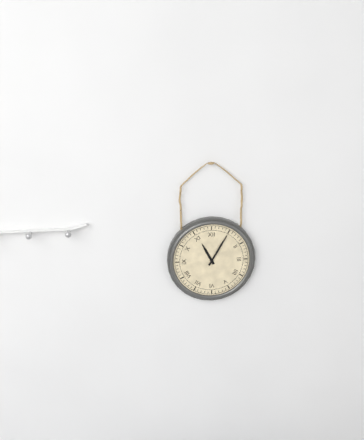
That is 11h05
